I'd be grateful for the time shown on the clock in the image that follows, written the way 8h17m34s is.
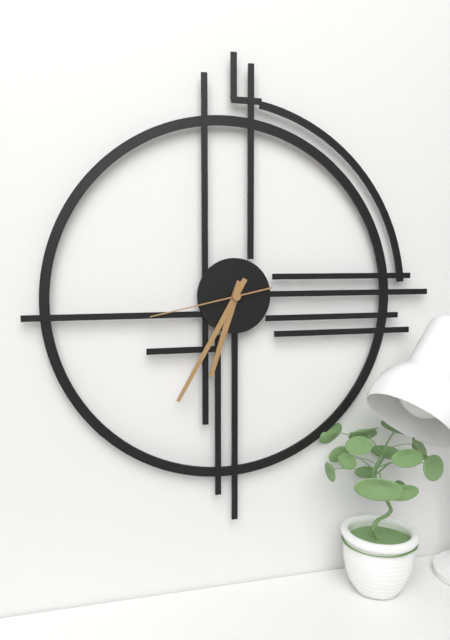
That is 6h35m43s
